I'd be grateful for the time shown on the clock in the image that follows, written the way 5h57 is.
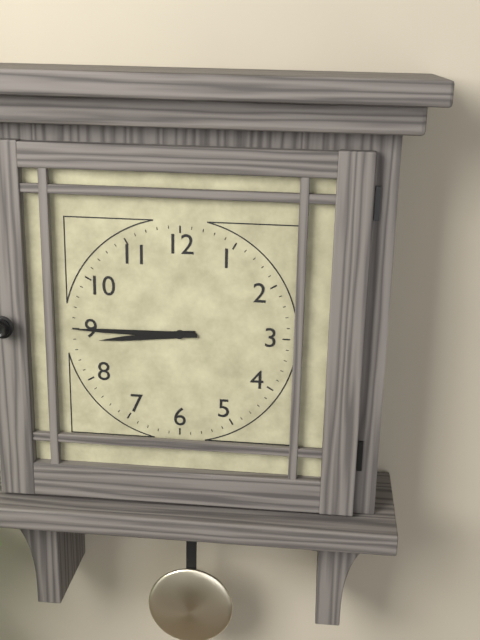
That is 8h45
